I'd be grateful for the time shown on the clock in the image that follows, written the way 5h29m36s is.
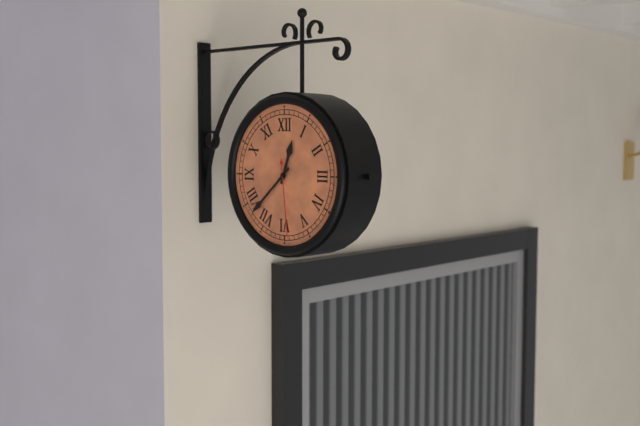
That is 12h38m29s
